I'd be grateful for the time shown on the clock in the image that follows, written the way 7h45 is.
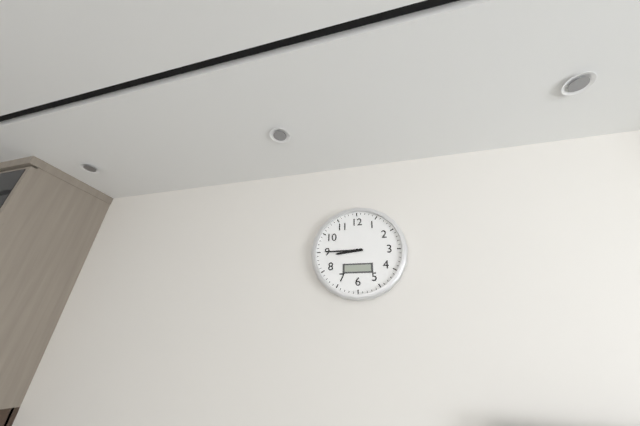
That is 8h45
